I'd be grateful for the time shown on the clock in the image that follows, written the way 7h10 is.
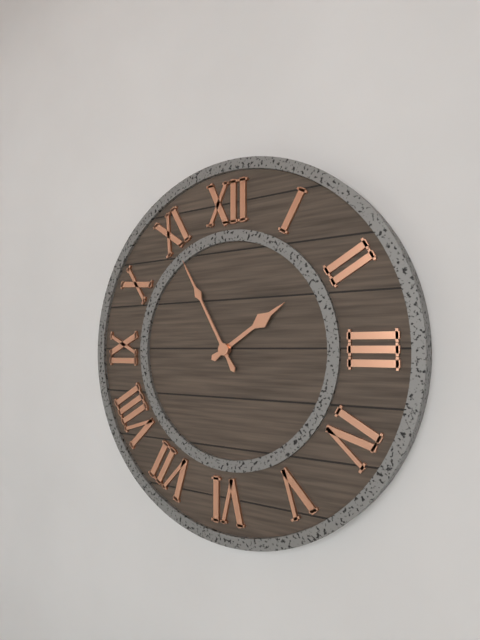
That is 1h55
